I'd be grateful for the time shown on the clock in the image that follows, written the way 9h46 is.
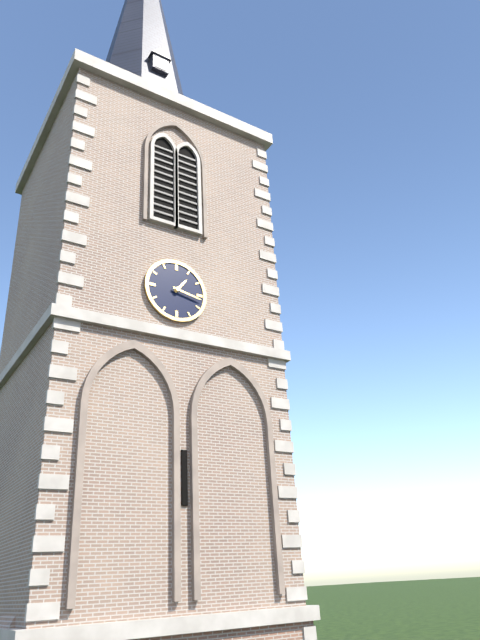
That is 1h17
